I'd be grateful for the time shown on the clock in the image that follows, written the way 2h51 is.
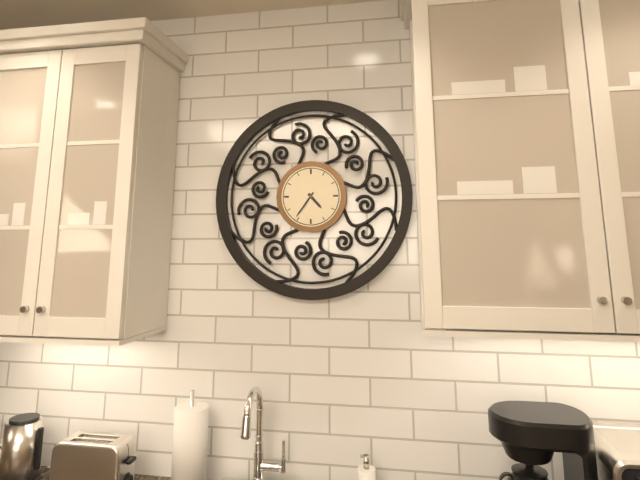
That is 4h36
